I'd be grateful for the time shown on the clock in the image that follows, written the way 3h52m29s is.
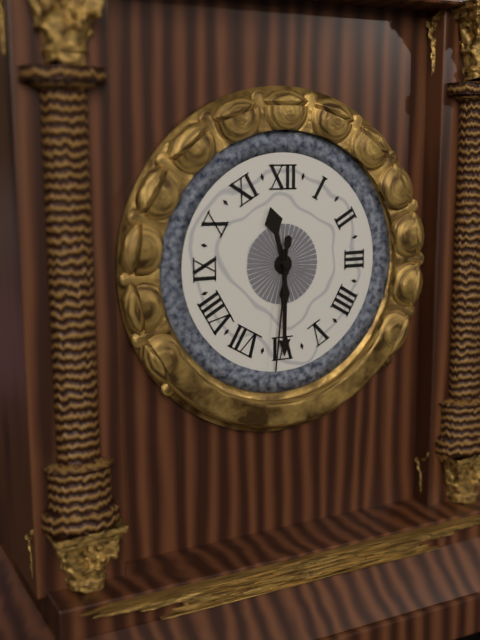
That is 11h30m31s
